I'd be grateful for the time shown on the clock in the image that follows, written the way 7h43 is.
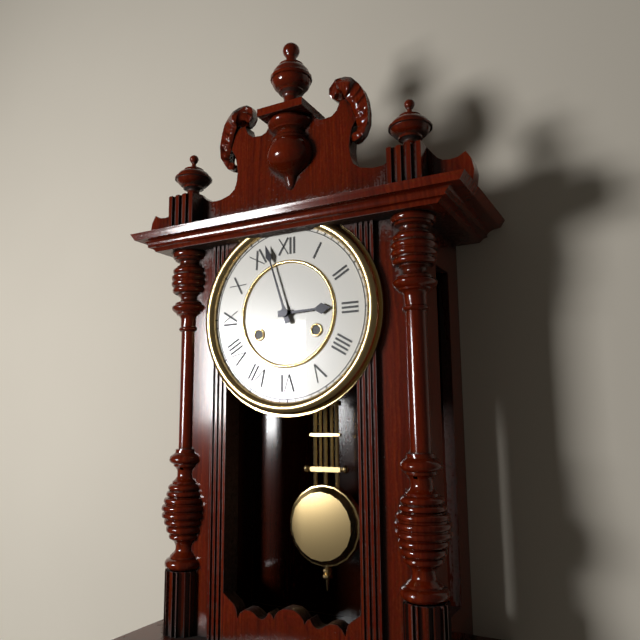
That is 2h57
